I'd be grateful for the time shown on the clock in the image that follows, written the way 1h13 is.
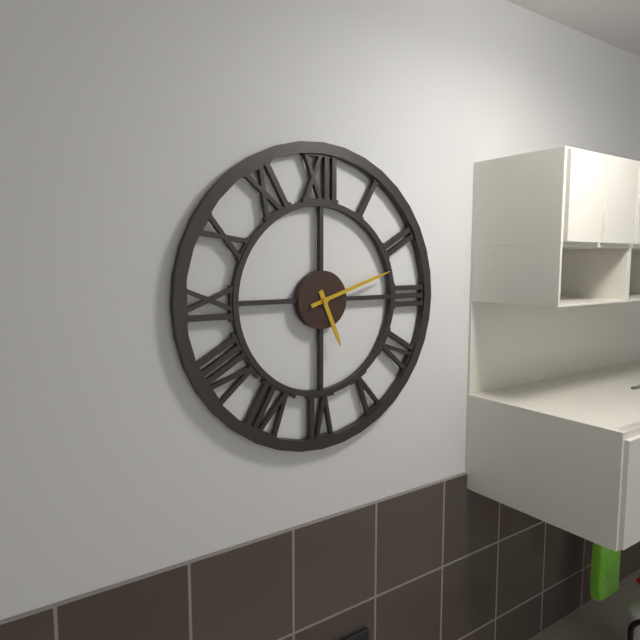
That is 5h12
